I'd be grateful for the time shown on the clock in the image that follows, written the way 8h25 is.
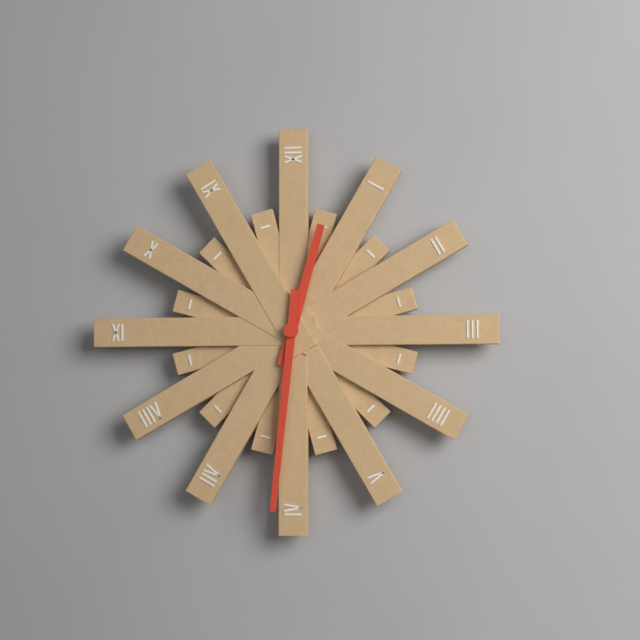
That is 12h31
